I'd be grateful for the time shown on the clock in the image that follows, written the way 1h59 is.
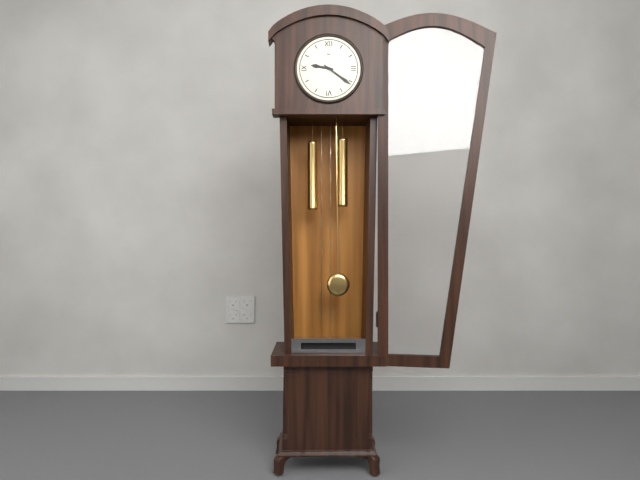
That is 9h21
